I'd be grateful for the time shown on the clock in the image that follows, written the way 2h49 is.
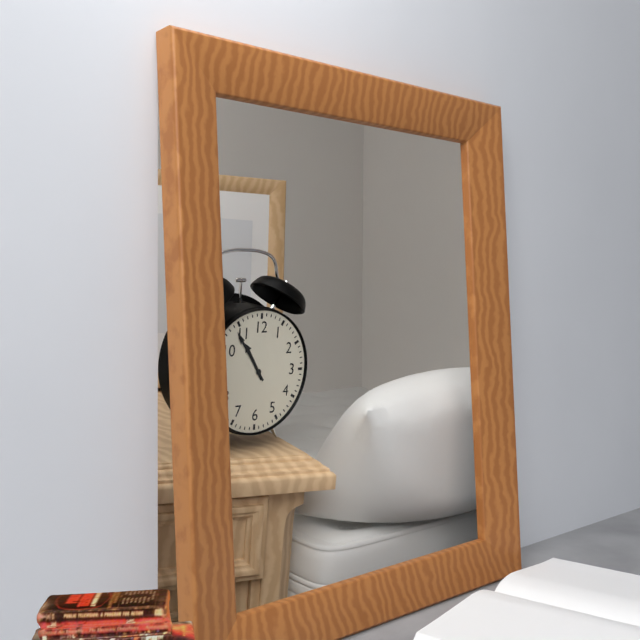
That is 10h54
